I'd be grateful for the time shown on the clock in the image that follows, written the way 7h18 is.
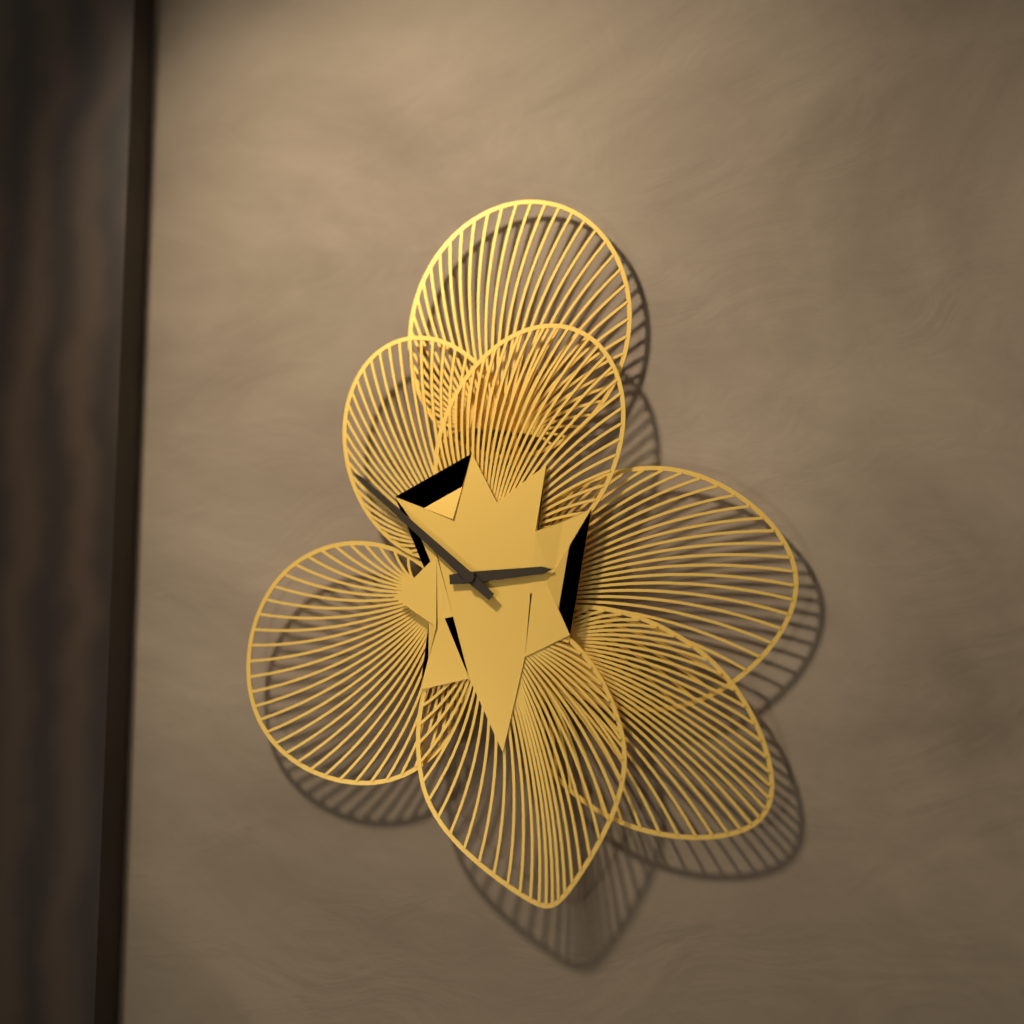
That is 2h52
